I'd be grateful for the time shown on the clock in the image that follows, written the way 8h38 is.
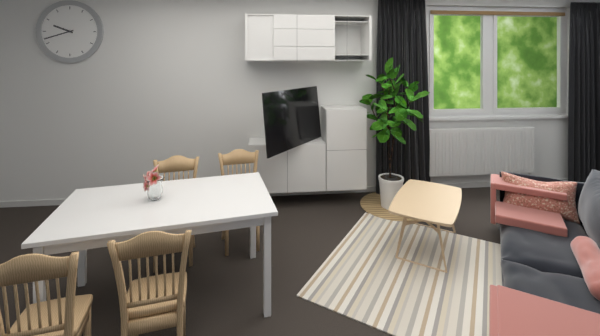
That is 9h42
